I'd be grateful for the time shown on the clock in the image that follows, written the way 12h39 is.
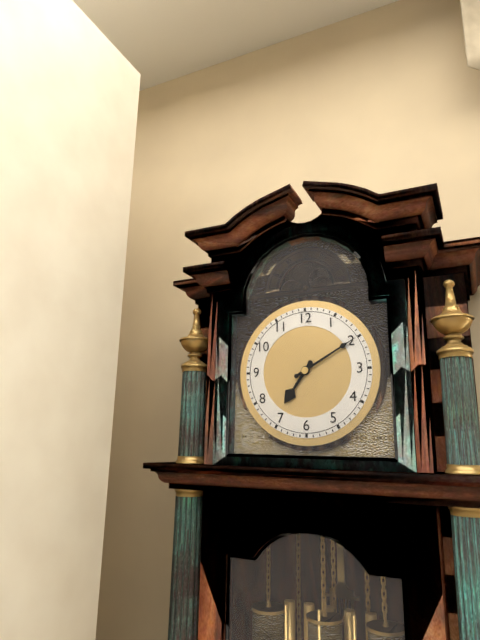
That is 7h10
